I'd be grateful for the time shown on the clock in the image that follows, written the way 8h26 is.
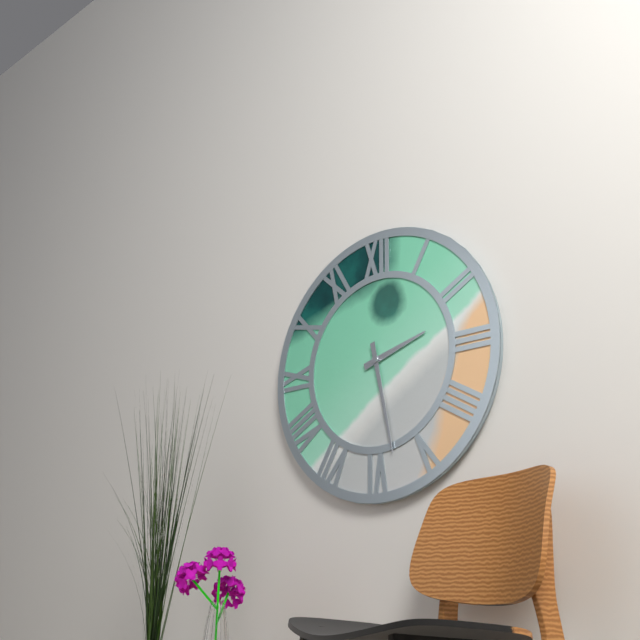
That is 2h28
